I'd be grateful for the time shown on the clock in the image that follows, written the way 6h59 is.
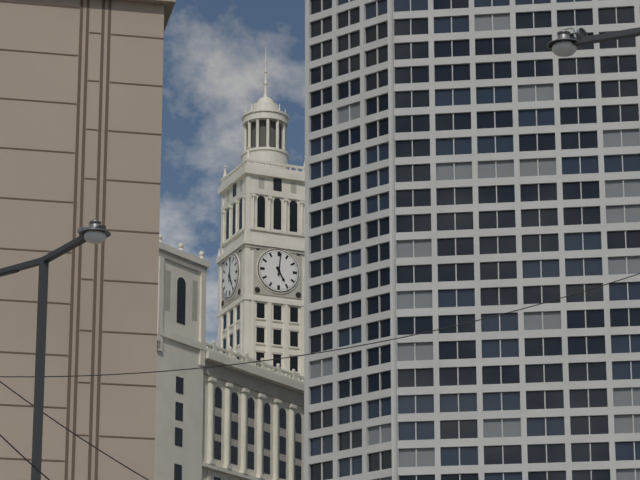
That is 5h01
